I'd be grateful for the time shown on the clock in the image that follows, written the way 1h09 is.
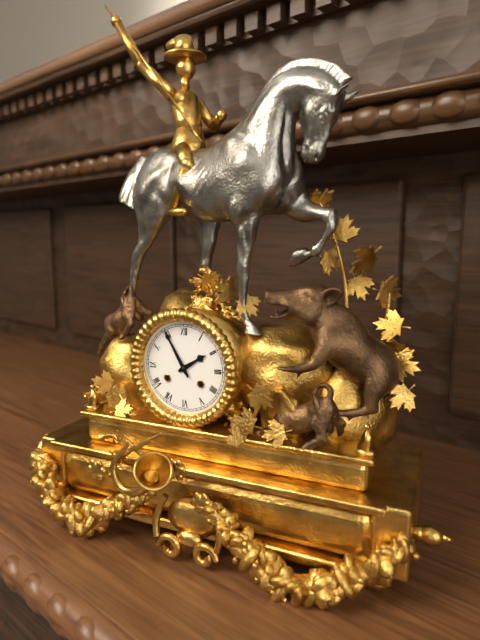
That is 1h55
